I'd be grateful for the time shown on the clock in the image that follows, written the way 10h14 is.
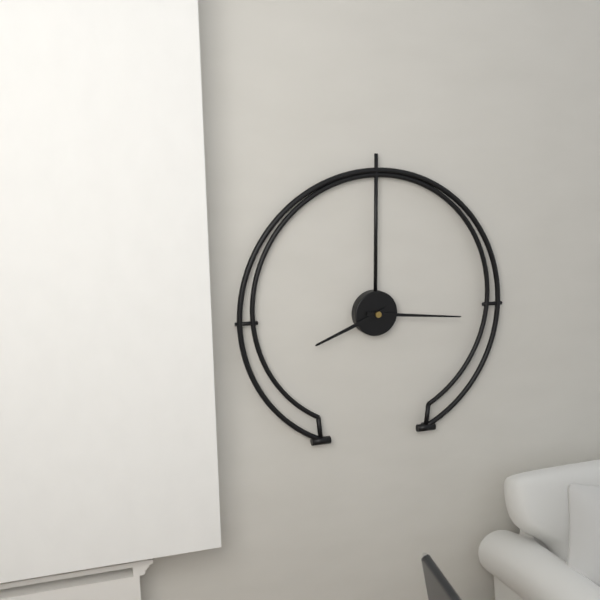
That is 8h16
